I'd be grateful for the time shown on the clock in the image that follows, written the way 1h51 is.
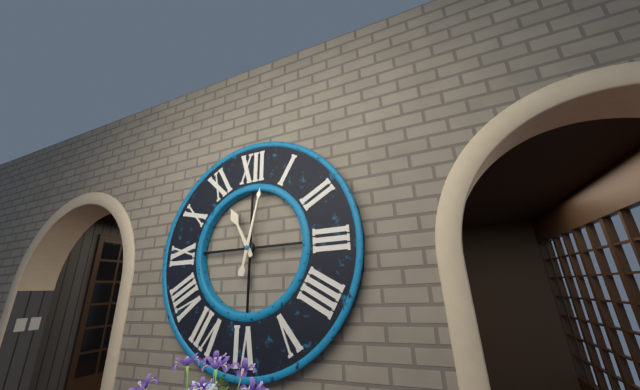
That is 11h02
